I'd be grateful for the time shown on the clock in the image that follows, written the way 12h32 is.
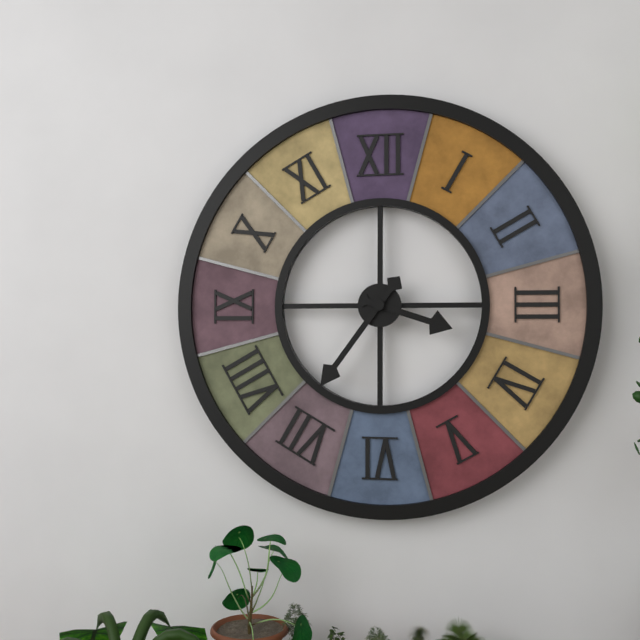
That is 3h36
